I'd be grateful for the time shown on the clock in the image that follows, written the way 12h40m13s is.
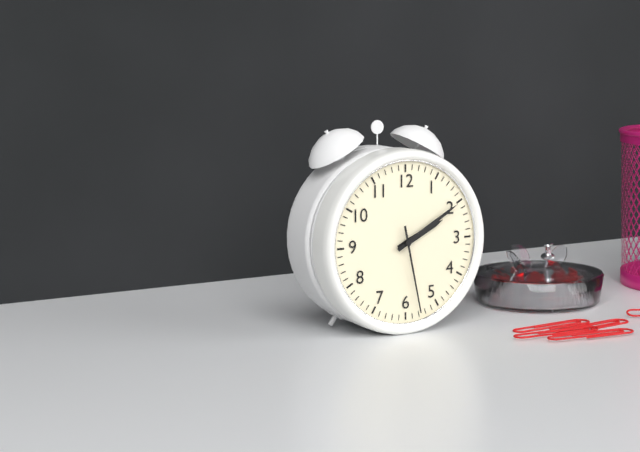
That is 2h10m28s
